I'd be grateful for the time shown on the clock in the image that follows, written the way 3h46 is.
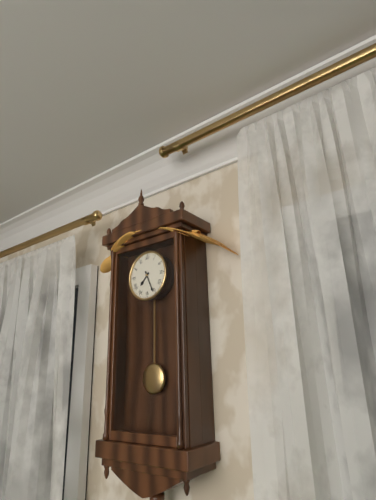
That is 7h26
